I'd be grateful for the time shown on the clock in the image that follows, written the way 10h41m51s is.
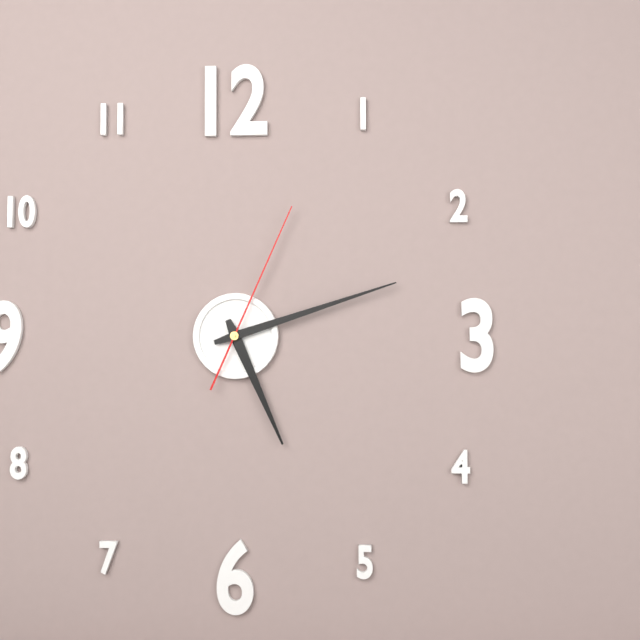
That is 5h12m04s
